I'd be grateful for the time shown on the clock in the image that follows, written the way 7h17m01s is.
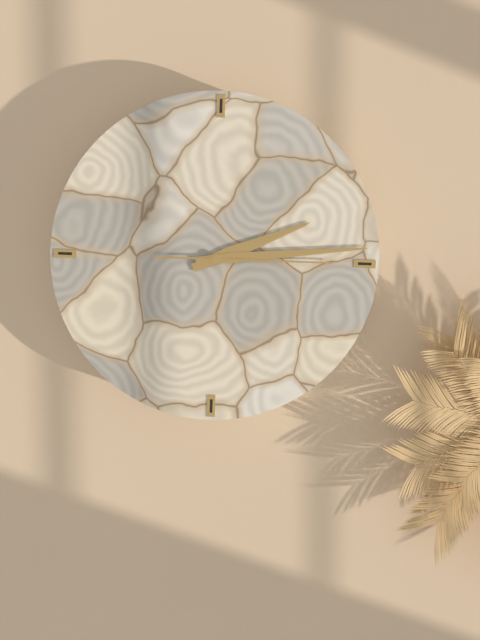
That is 2h14m15s
